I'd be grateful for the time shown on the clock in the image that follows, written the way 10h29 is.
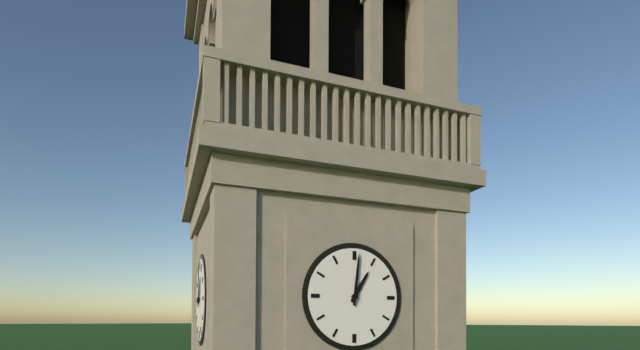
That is 1h01
